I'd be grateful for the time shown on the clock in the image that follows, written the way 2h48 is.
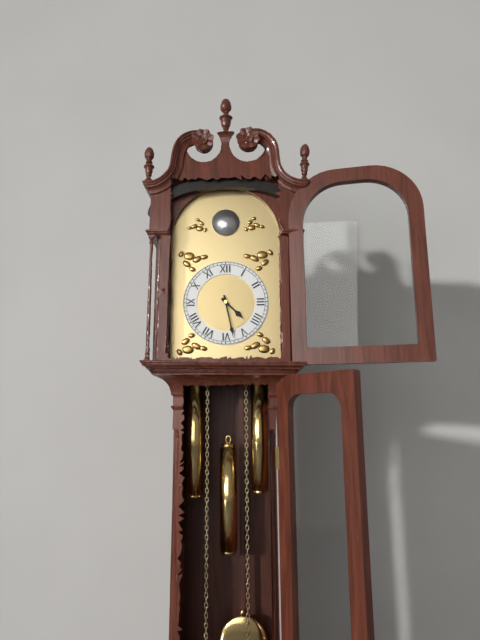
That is 4h28
